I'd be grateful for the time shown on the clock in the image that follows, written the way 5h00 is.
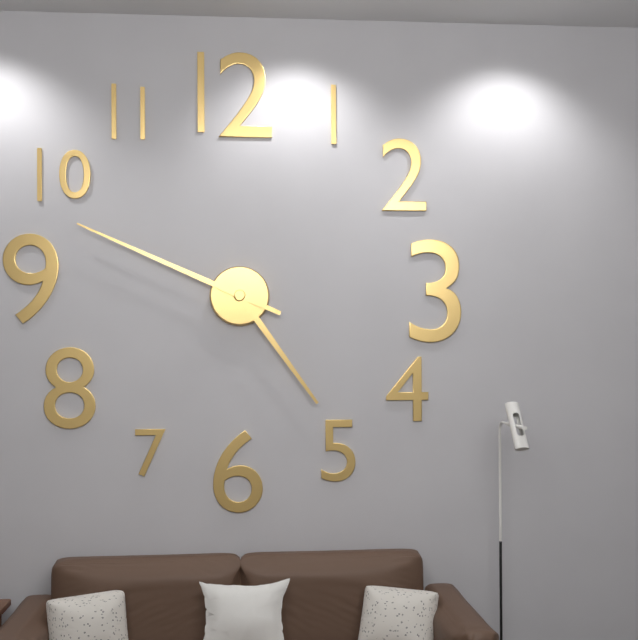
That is 4h49
